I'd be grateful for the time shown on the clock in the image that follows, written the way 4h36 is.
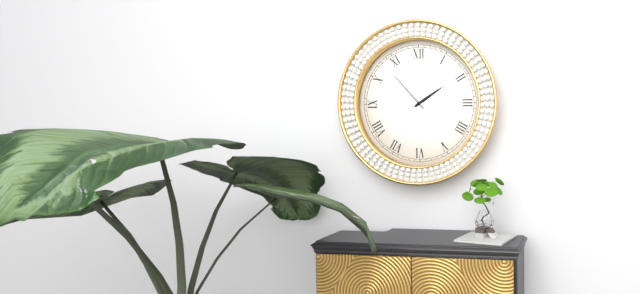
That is 1h53
